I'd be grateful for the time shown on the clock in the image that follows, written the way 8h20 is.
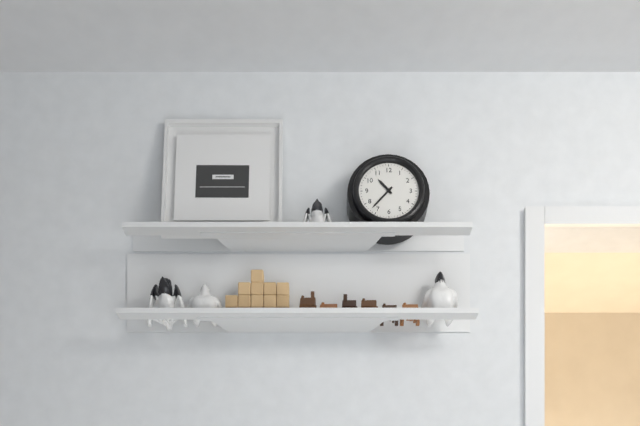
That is 10h37
